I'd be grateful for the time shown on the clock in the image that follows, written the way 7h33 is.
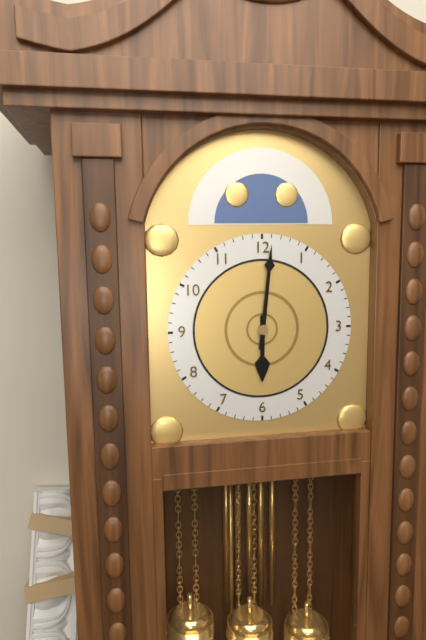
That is 6h01
